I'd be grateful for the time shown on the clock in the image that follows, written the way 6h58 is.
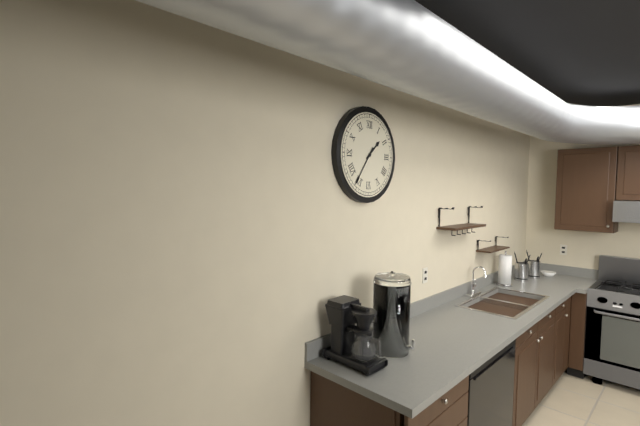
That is 1h36
